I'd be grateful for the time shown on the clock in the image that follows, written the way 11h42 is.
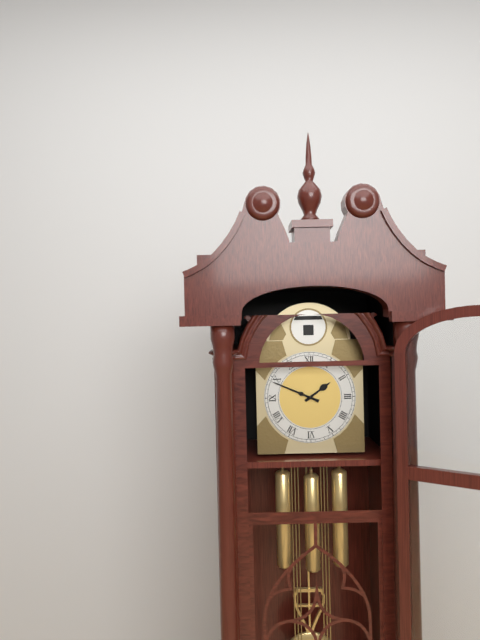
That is 1h49
